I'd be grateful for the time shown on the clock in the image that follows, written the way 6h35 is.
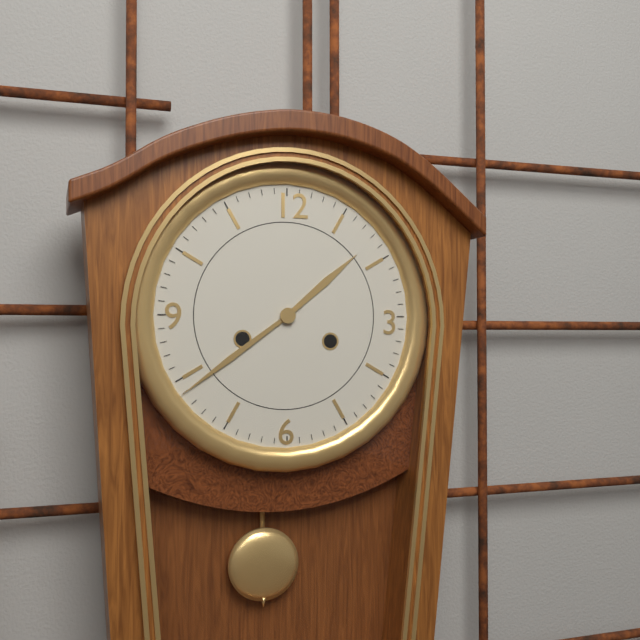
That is 1h39
